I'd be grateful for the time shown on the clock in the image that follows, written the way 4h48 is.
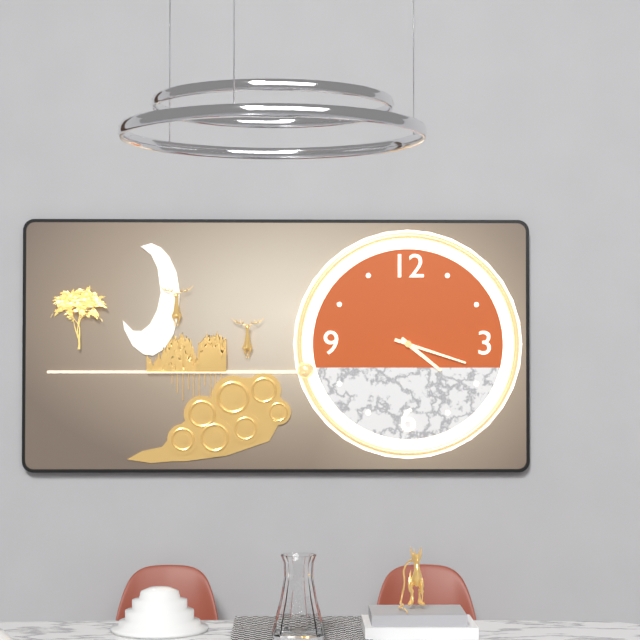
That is 4h18
